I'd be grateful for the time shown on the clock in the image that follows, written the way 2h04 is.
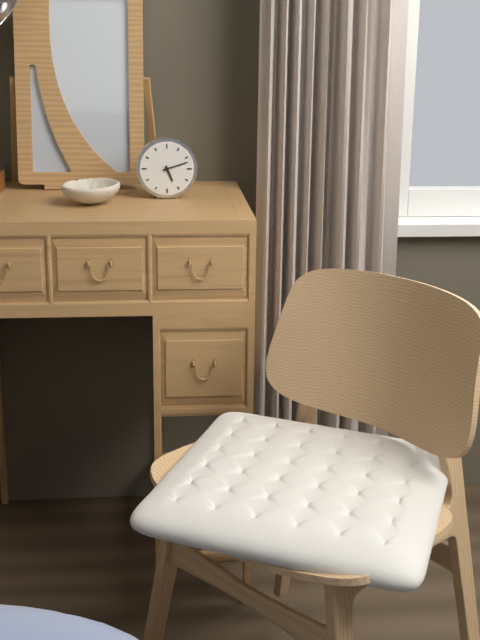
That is 5h12
